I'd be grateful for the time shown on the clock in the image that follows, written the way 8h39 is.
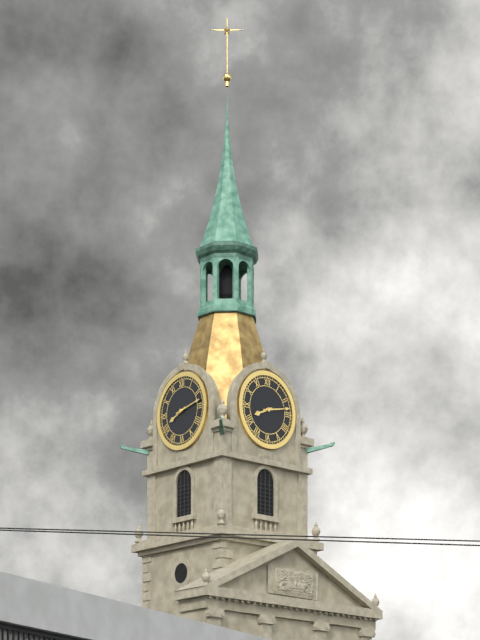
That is 8h13
